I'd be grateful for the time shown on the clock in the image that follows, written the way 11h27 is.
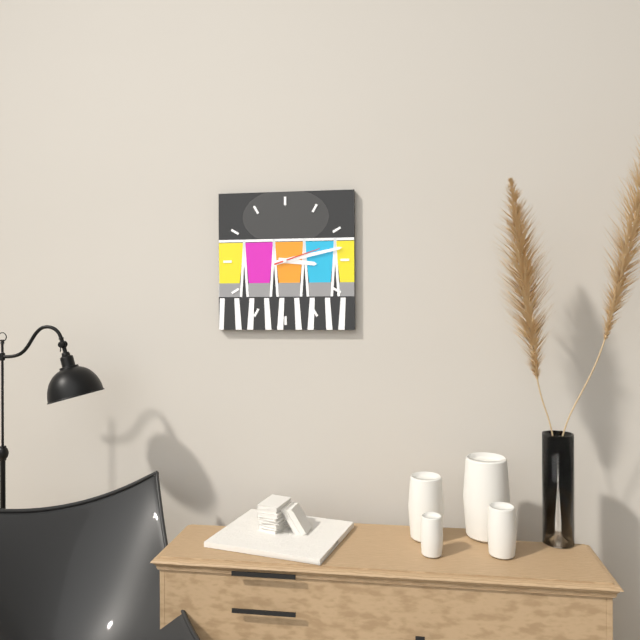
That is 3h13
